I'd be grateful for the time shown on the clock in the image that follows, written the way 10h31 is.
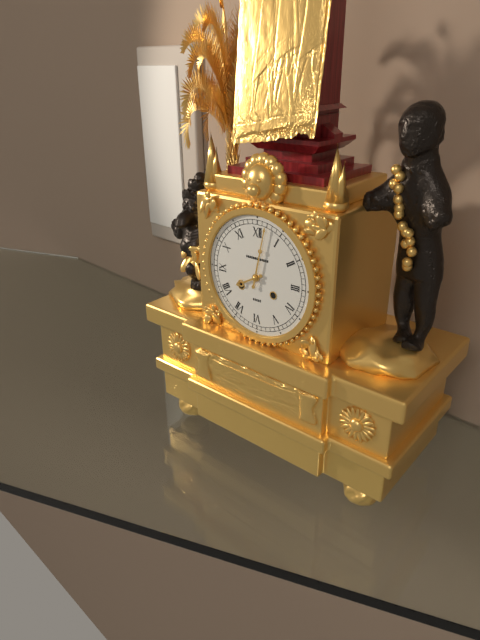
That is 8h02
